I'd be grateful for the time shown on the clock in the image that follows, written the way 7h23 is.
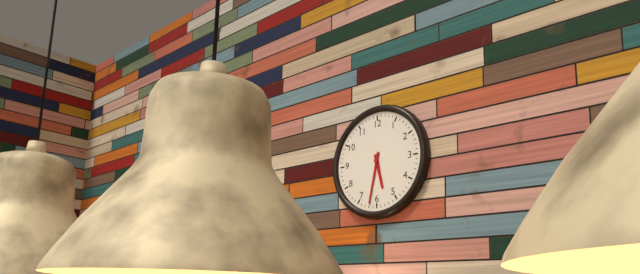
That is 5h32
